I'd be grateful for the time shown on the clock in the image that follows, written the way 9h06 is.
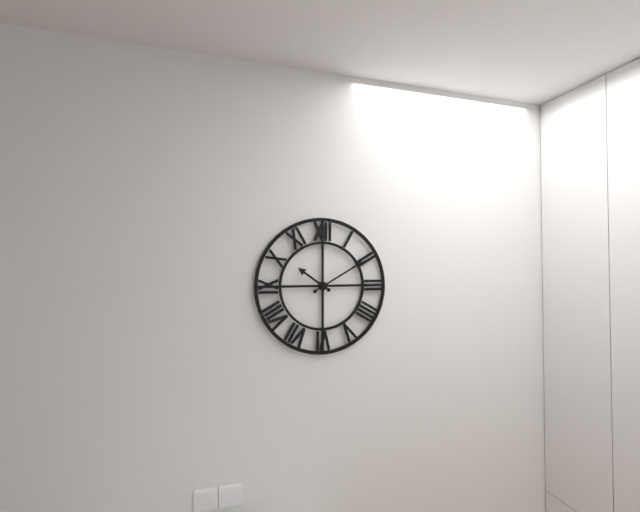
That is 10h10
